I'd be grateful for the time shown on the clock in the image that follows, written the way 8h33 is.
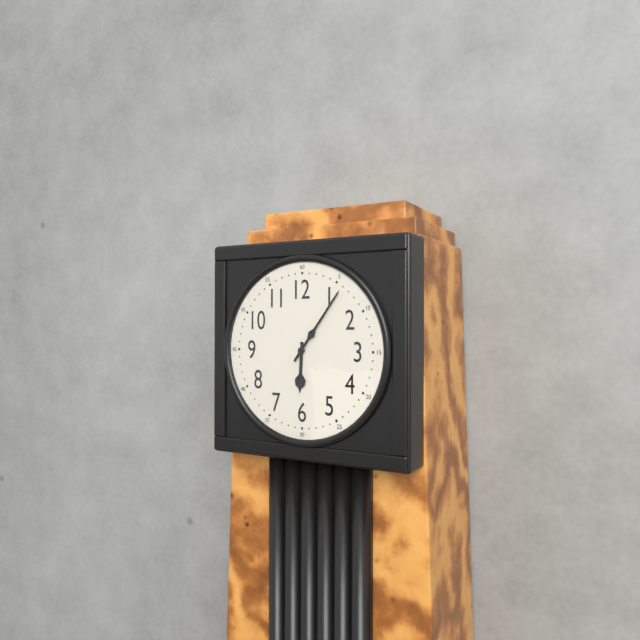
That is 6h06
